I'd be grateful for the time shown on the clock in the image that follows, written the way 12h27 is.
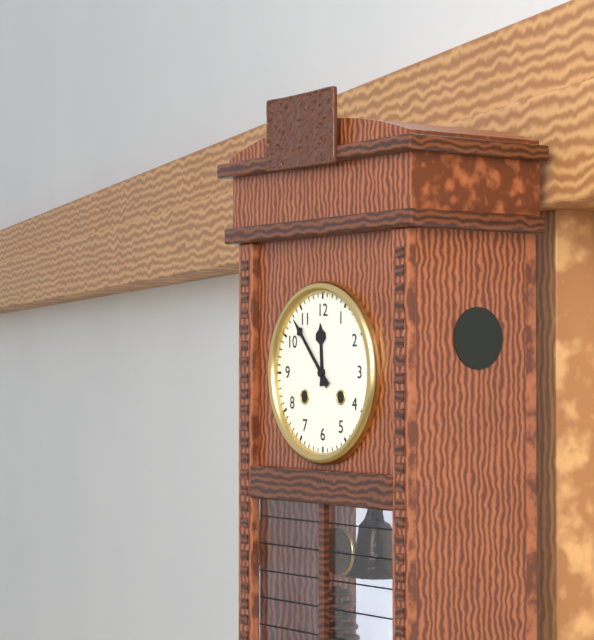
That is 11h53
